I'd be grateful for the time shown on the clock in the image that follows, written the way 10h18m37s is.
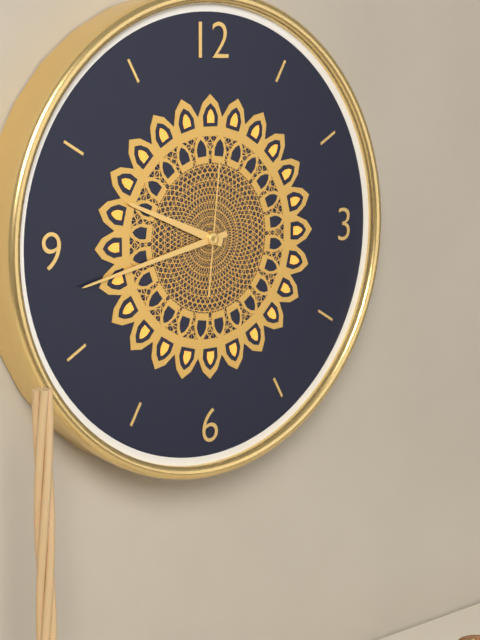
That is 9h43m01s
